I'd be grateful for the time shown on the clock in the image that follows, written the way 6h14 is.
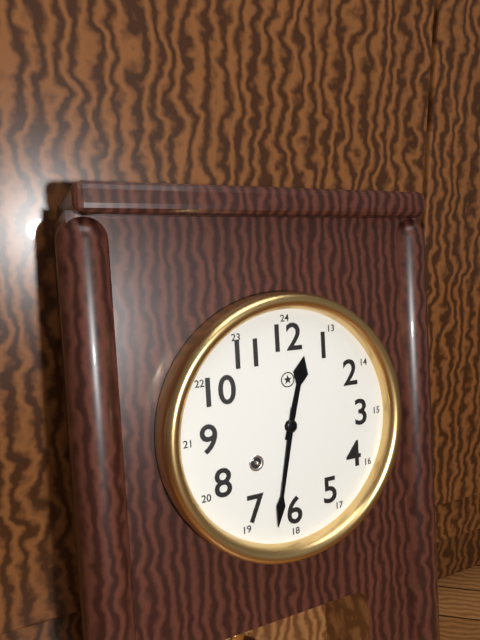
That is 12h32
